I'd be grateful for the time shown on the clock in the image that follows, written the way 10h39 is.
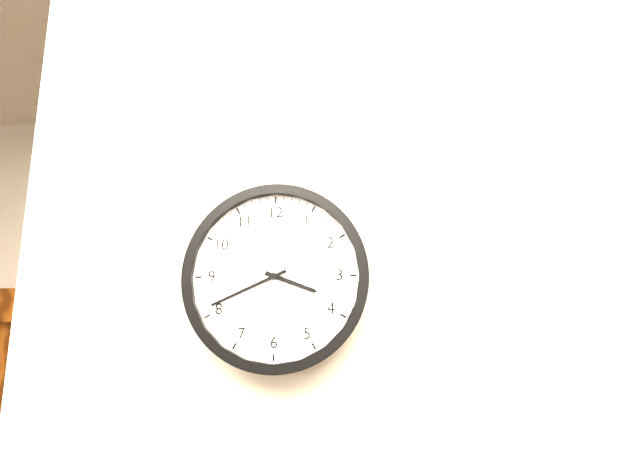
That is 3h41
